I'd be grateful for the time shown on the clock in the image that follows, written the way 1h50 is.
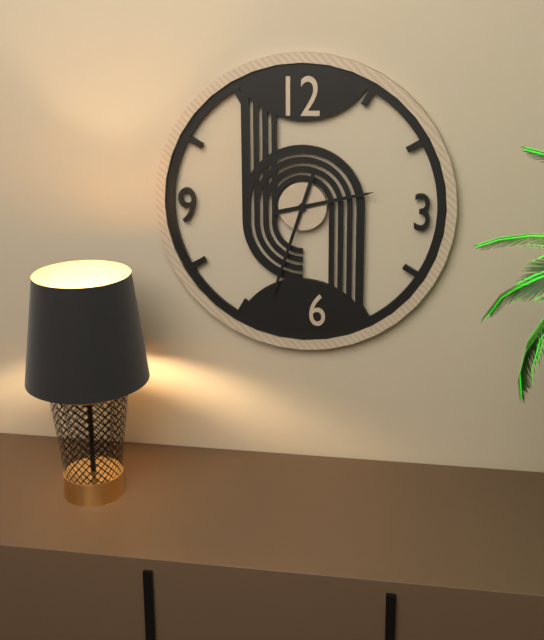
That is 2h33
